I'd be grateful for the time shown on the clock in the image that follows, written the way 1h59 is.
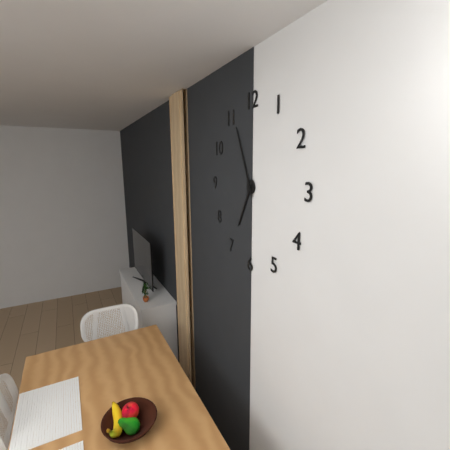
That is 6h56
